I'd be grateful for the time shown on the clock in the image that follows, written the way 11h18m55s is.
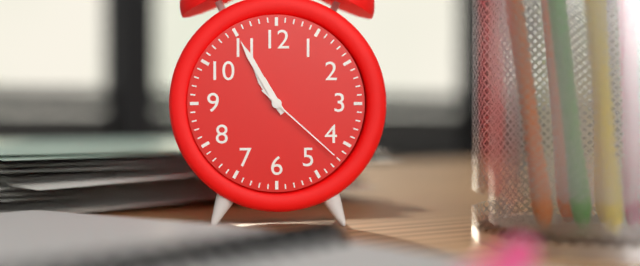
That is 10h55m22s
